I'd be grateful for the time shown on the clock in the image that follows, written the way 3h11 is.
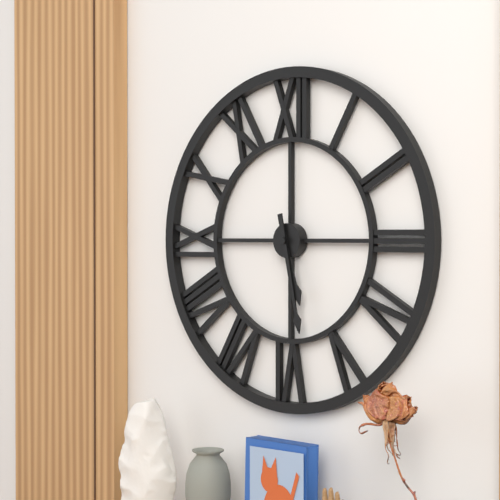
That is 5h28
